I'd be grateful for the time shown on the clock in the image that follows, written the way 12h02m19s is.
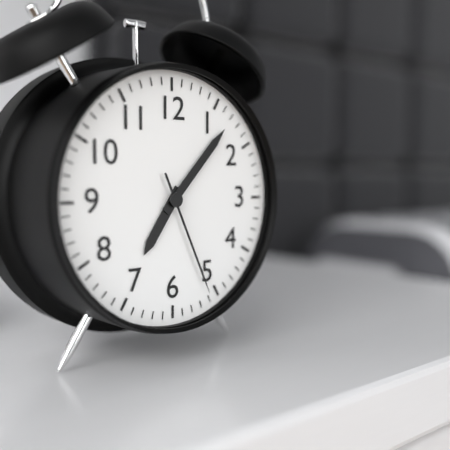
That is 7h07m26s
